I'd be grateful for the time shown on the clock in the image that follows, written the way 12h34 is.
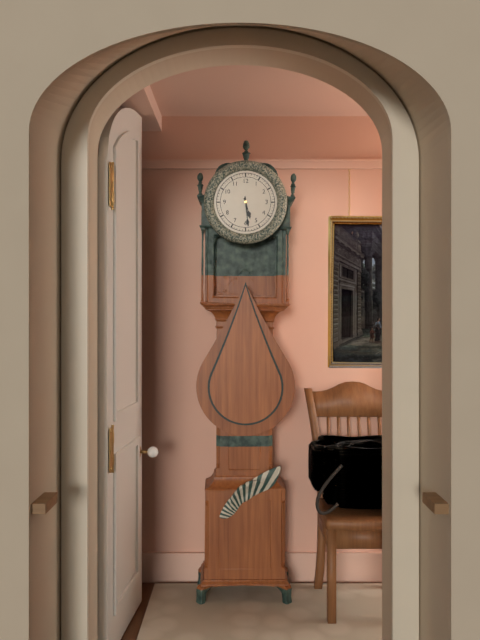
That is 5h29
